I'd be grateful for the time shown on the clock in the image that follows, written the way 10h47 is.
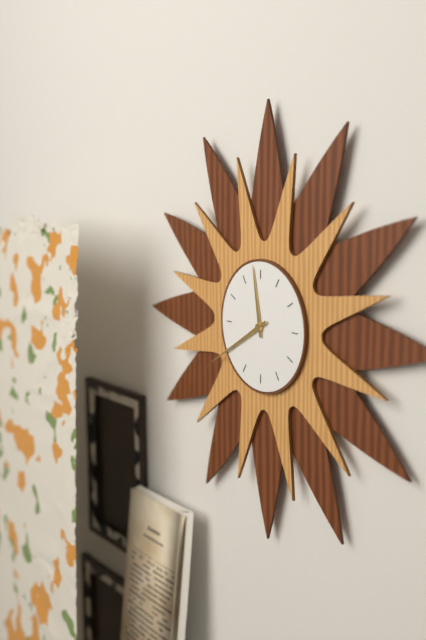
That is 11h40
